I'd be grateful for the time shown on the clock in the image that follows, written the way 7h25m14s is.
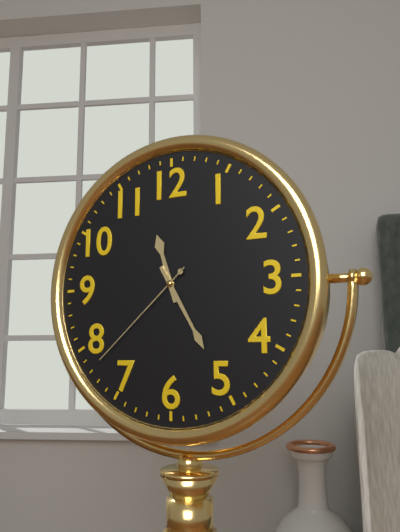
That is 11h25m38s
